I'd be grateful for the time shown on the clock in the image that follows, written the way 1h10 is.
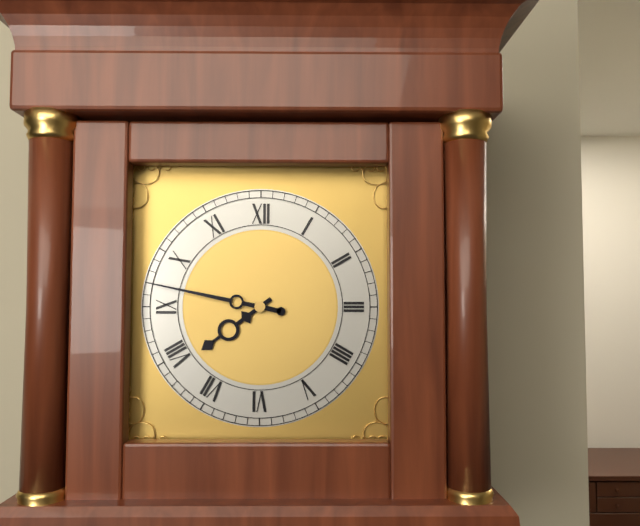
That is 7h47
